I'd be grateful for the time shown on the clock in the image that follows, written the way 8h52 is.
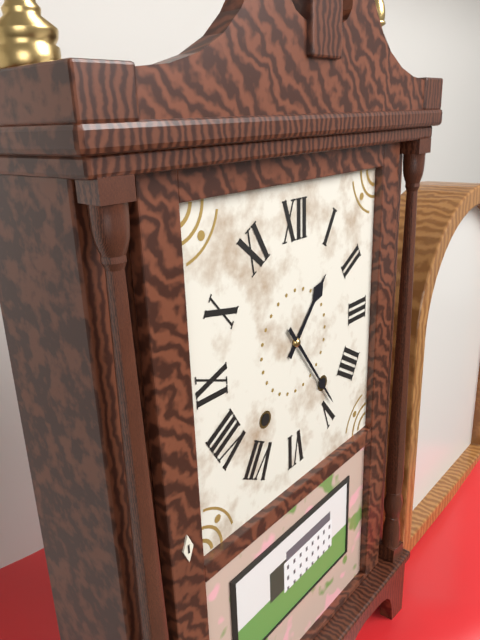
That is 1h24
